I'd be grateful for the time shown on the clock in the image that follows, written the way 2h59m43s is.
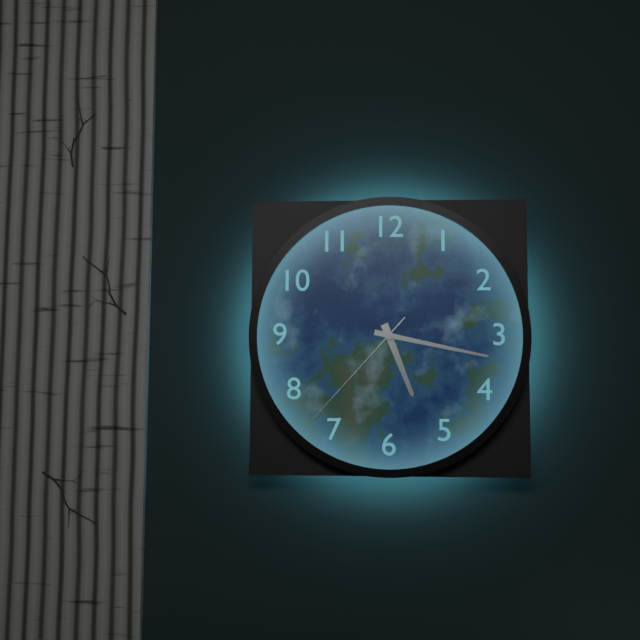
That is 5h17m37s
